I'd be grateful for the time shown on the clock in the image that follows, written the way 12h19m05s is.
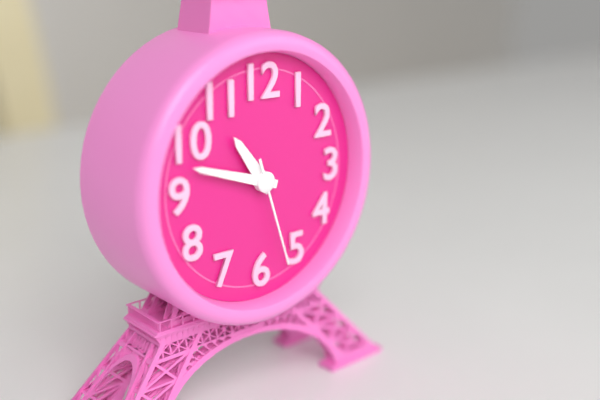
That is 10h48m27s
